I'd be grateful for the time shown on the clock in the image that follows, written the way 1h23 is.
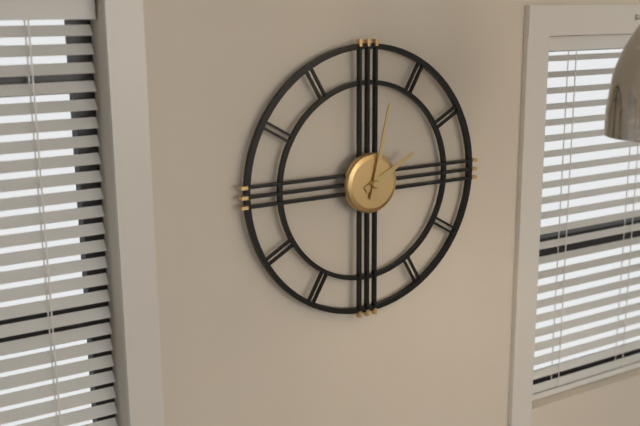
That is 2h02
